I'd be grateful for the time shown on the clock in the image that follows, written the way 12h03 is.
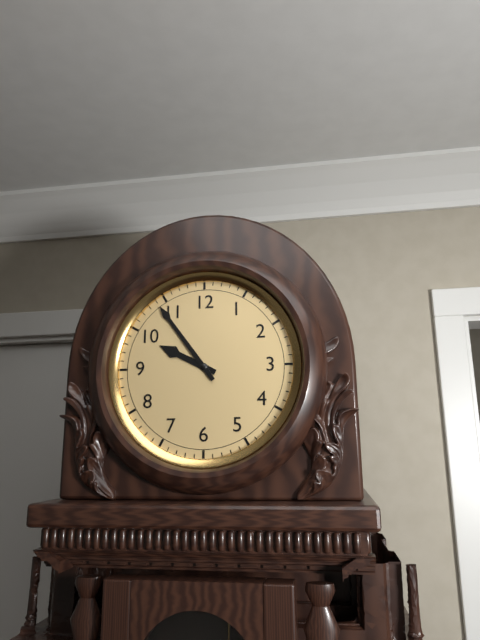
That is 9h54
